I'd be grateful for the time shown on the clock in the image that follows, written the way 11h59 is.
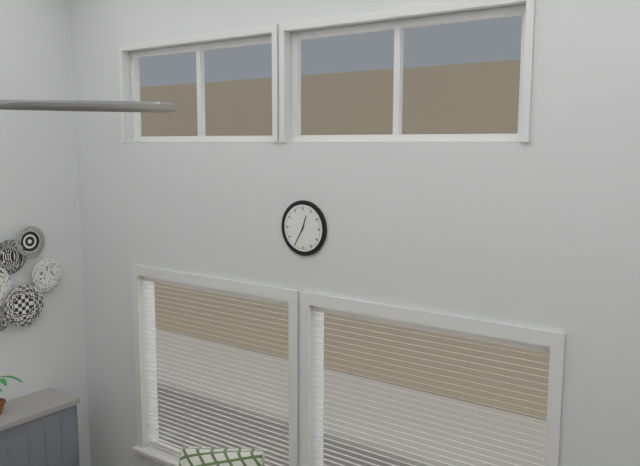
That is 12h35
